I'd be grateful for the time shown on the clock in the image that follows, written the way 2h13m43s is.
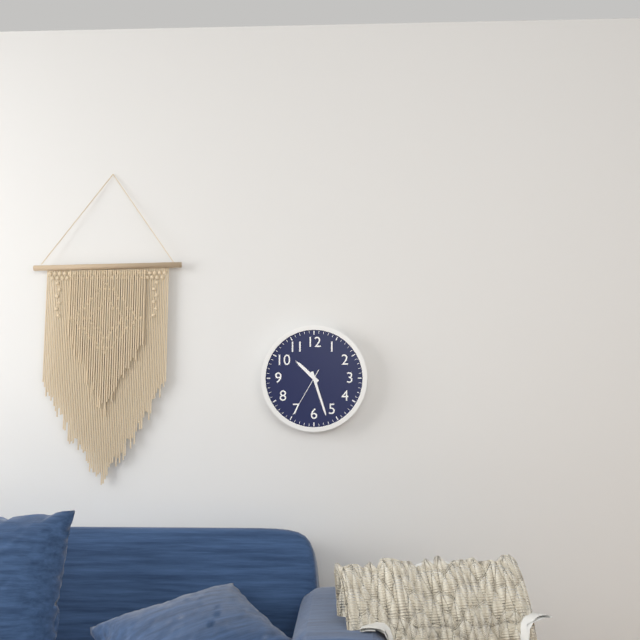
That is 10h27m35s
